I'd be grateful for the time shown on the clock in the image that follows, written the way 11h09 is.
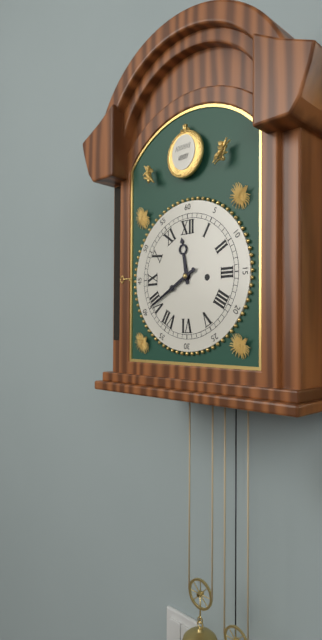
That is 11h40
